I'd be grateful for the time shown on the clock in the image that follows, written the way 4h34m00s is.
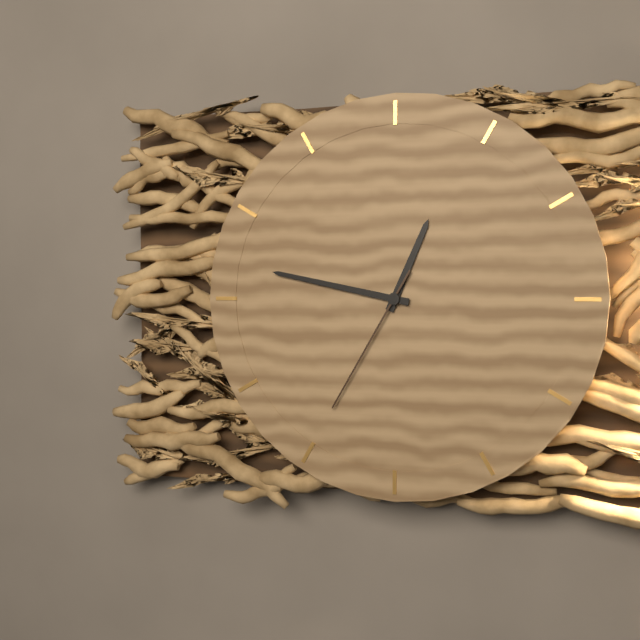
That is 12h47m35s
